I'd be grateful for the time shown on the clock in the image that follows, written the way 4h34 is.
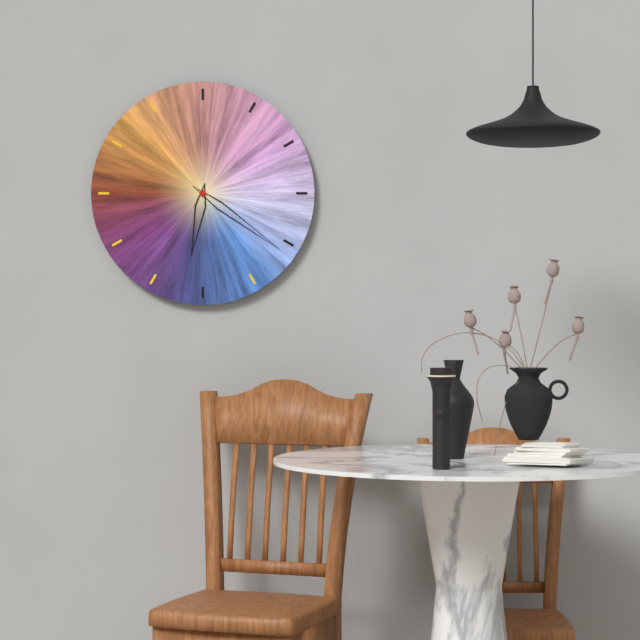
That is 6h21
